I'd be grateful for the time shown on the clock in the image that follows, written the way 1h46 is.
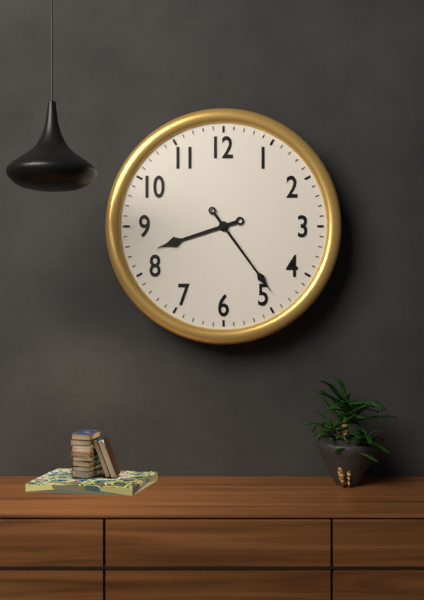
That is 8h24
